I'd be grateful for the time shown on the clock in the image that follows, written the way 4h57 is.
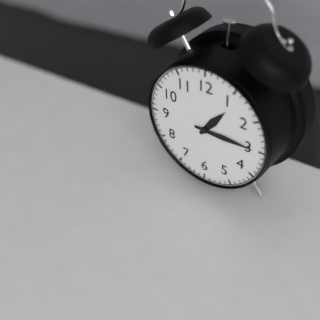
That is 1h15
